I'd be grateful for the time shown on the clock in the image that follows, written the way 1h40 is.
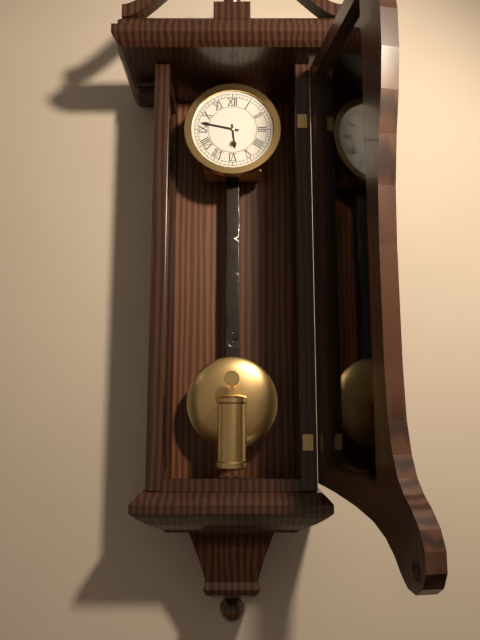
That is 5h47
